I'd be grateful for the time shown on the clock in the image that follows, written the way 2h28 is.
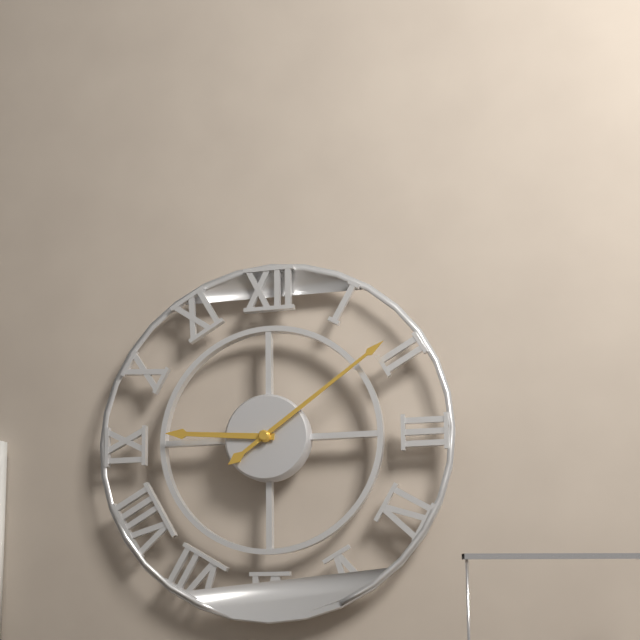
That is 9h09
